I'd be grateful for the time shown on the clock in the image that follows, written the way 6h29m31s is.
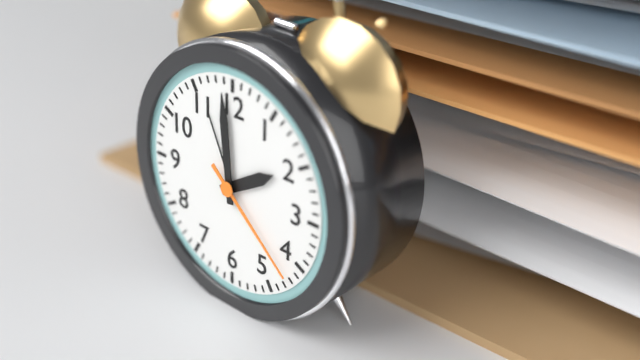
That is 1h59m22s
